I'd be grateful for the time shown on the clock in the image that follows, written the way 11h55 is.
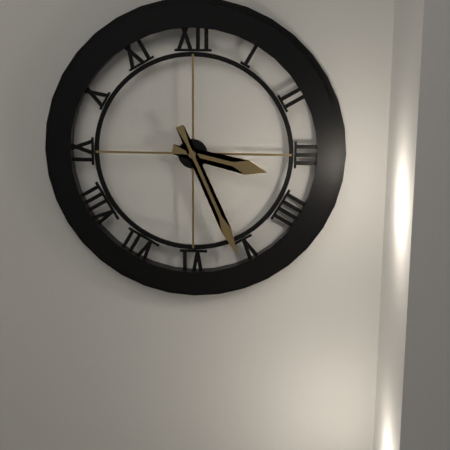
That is 3h26
